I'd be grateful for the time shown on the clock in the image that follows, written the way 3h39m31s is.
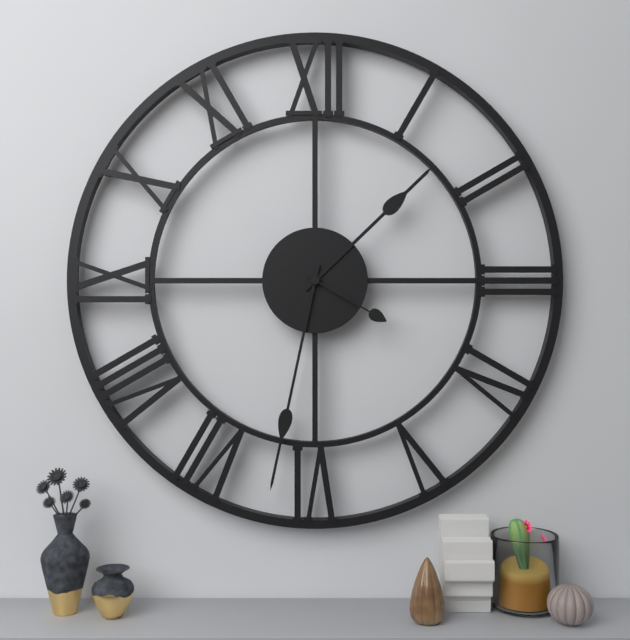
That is 1h32m20s
